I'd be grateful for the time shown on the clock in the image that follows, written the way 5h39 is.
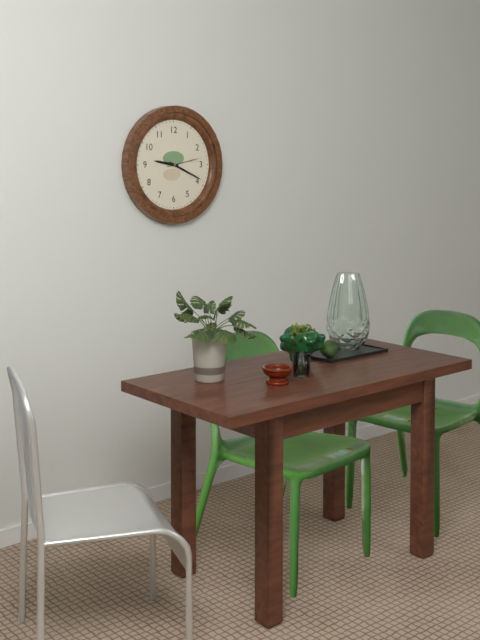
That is 9h19
